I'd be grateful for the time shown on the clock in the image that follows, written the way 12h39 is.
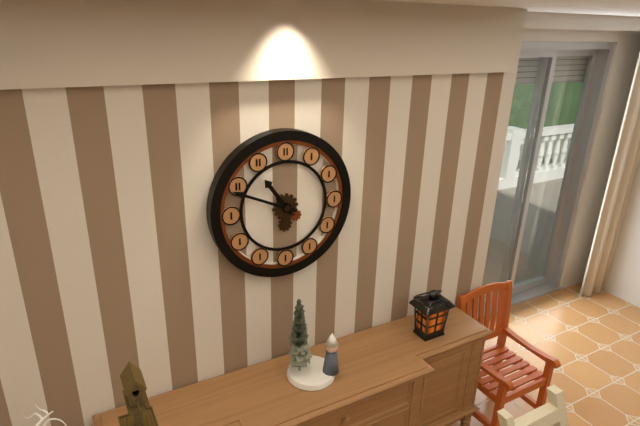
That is 10h49
